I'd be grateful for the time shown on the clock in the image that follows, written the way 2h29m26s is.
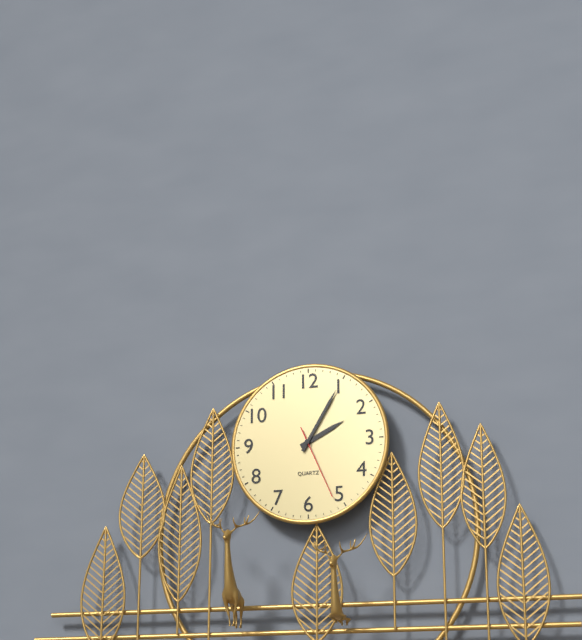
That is 2h05m26s
